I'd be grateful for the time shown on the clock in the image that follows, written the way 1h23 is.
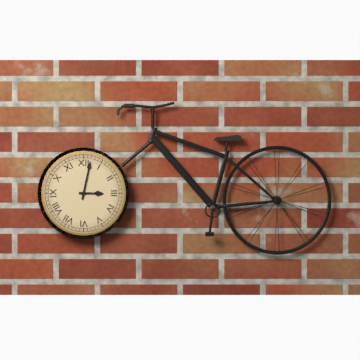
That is 3h02
